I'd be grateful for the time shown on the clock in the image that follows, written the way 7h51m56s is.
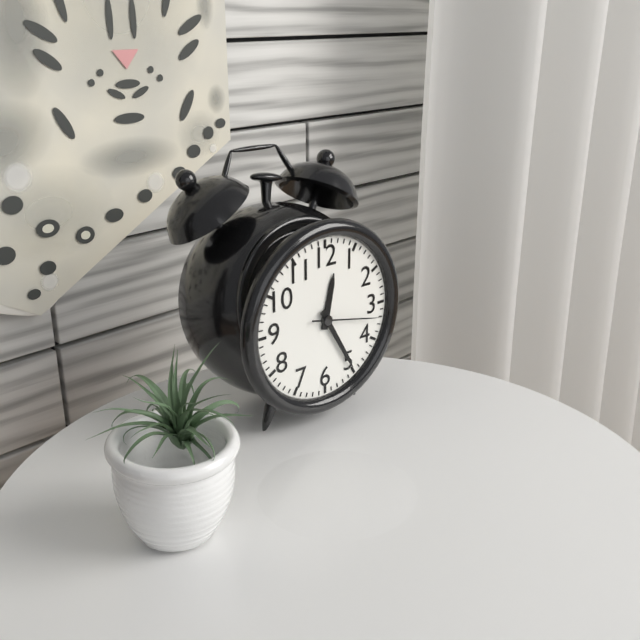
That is 12h25m17s
